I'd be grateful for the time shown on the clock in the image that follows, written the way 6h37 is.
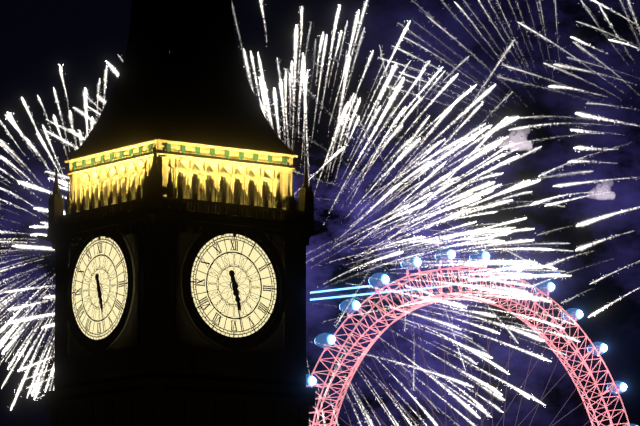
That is 5h28
